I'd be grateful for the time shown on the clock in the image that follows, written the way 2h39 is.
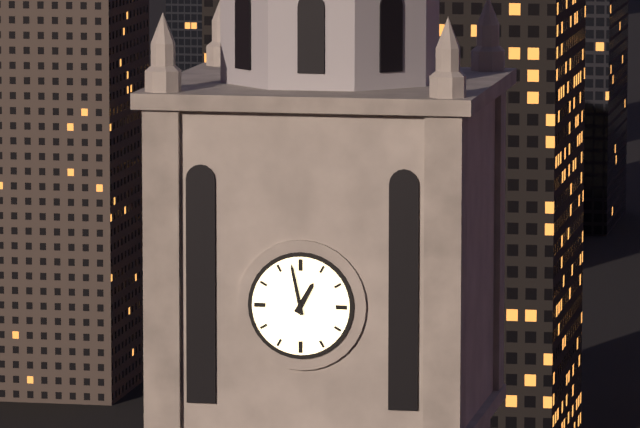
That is 12h58
